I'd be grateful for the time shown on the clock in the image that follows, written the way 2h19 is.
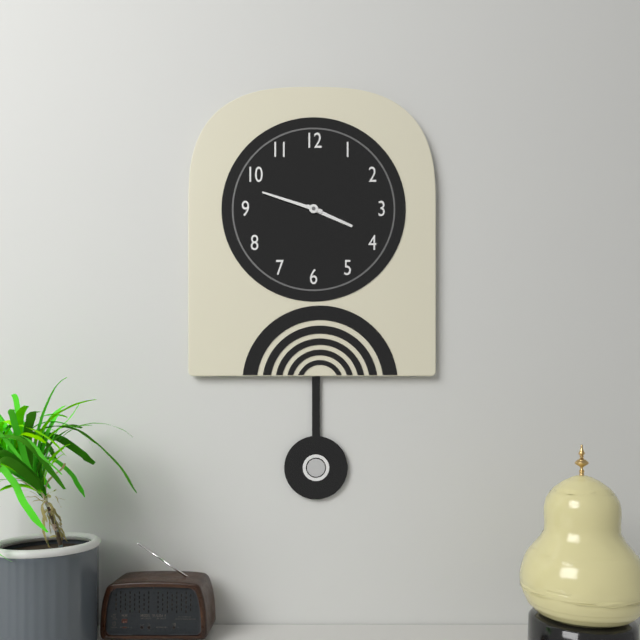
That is 3h48
